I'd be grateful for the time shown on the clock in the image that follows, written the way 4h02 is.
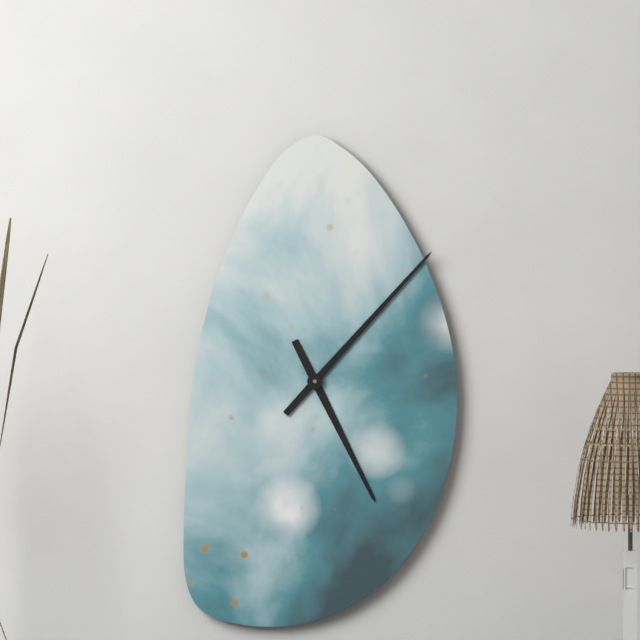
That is 5h07
